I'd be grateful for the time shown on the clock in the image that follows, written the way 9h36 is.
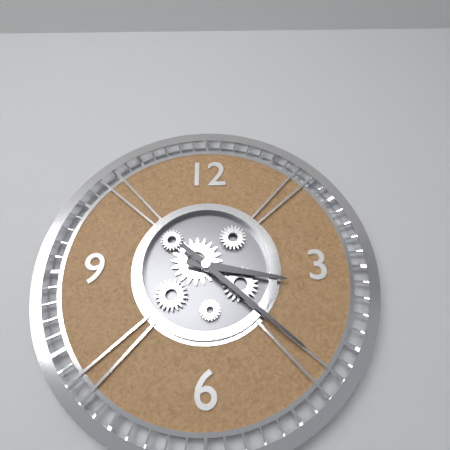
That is 3h22
